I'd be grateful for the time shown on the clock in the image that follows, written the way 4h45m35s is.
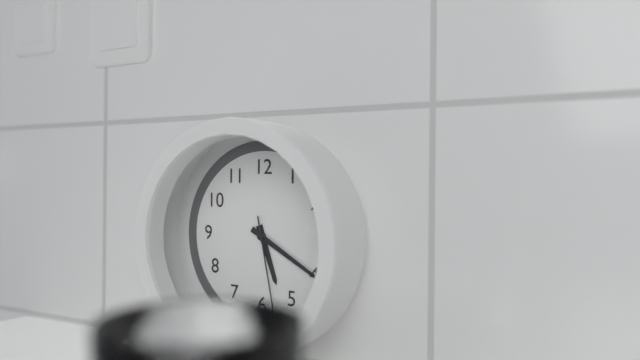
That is 5h20m28s
